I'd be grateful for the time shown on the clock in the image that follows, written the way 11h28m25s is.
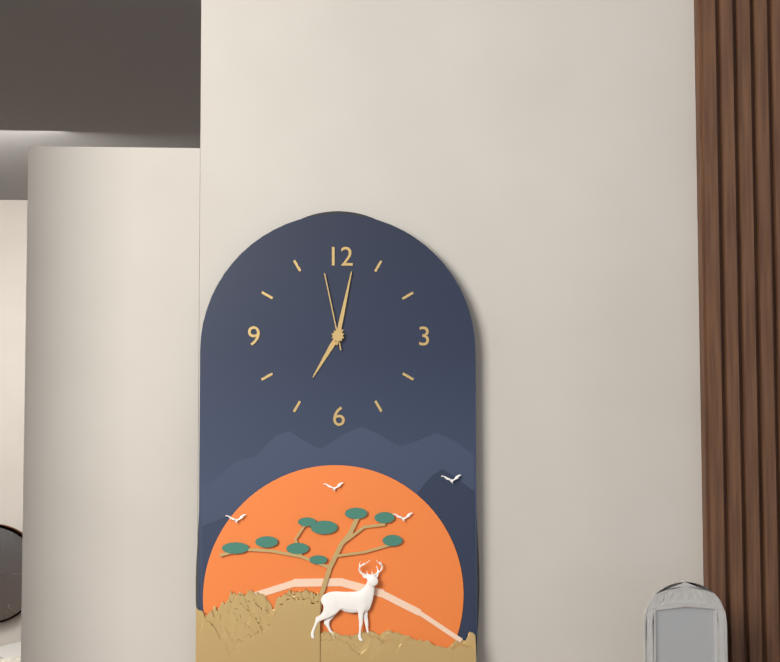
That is 7h02m58s
